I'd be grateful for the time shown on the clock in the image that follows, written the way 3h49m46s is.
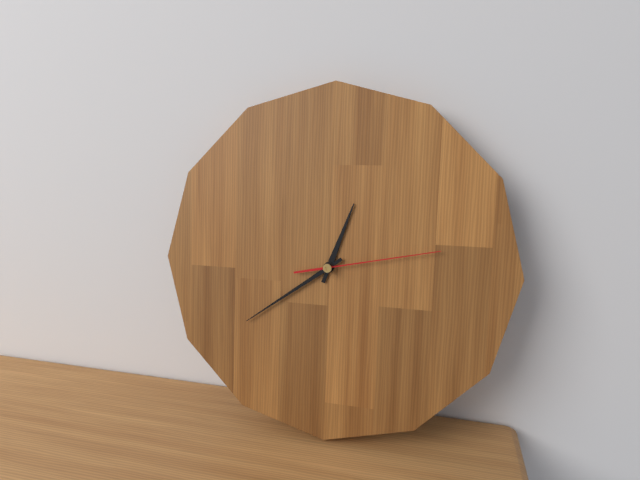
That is 12h39m13s
